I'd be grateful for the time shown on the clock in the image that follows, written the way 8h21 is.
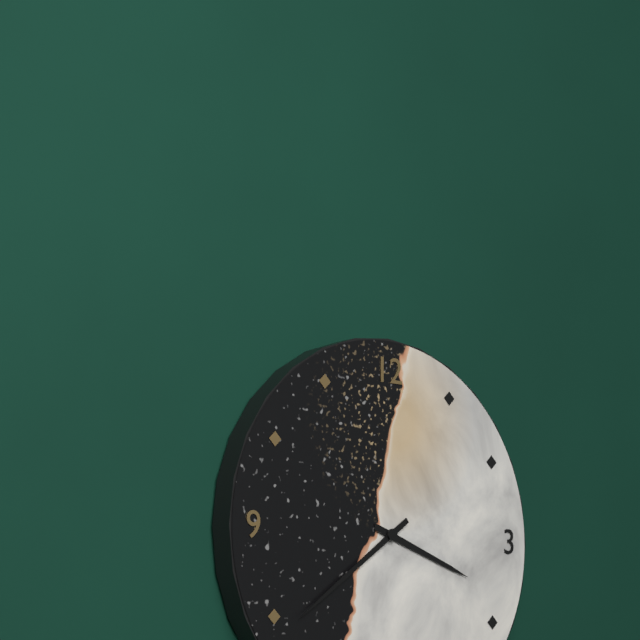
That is 3h39
